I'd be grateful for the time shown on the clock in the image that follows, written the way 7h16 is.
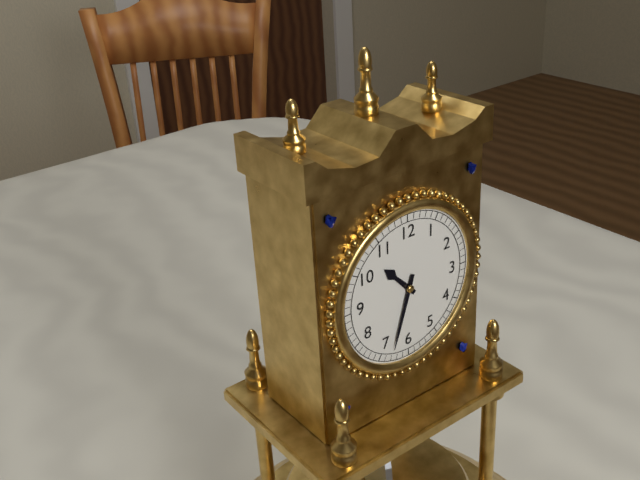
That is 10h33
